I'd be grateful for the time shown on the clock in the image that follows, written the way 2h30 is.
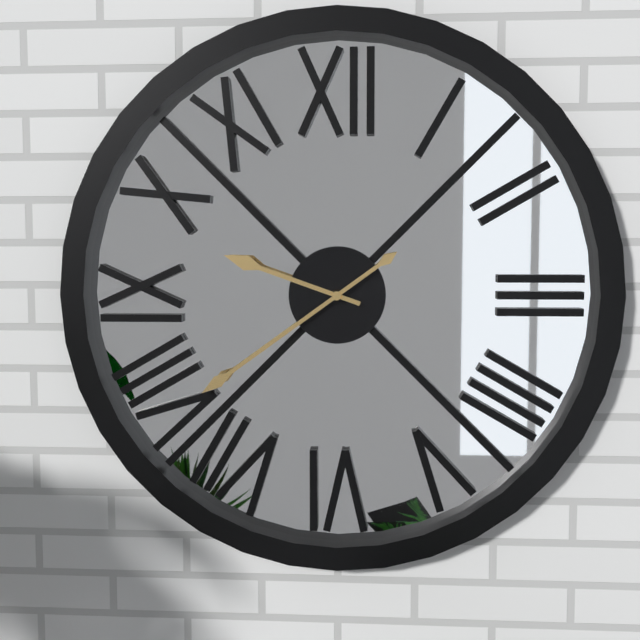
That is 9h39
